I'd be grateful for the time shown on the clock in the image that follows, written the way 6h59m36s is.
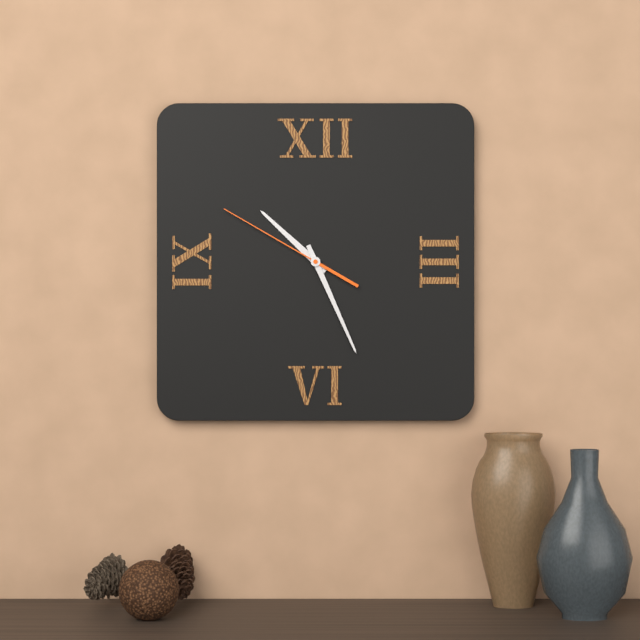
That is 10h26m50s
